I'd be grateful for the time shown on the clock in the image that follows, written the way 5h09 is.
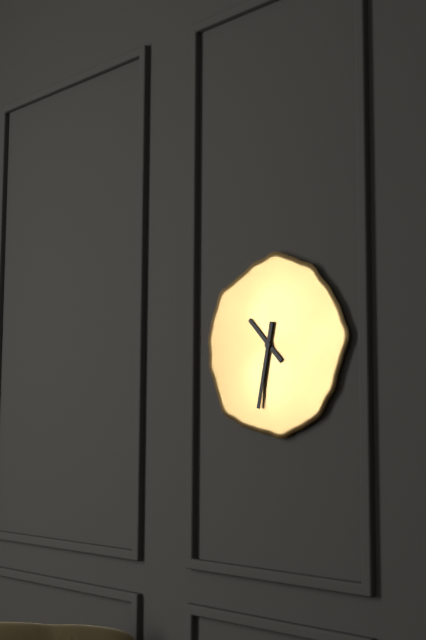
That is 10h32
